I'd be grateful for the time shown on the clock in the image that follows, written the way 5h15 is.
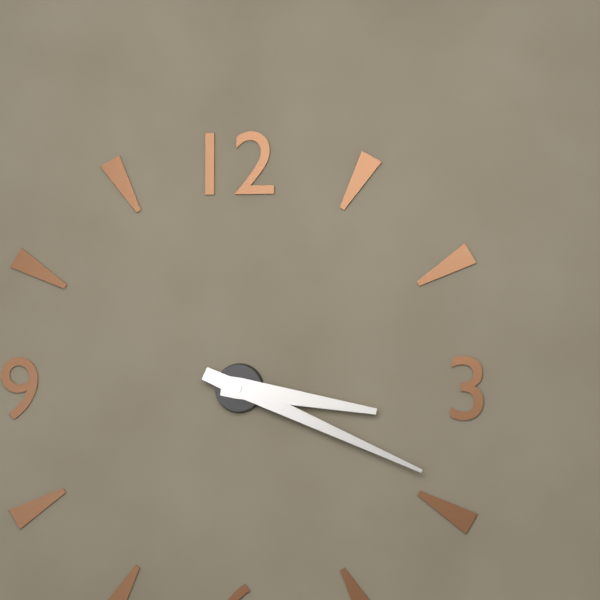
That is 3h19
